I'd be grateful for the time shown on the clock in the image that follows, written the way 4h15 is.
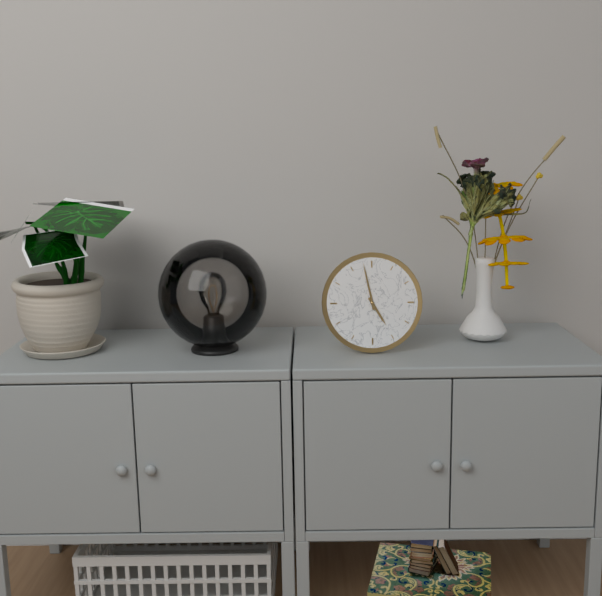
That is 4h58
